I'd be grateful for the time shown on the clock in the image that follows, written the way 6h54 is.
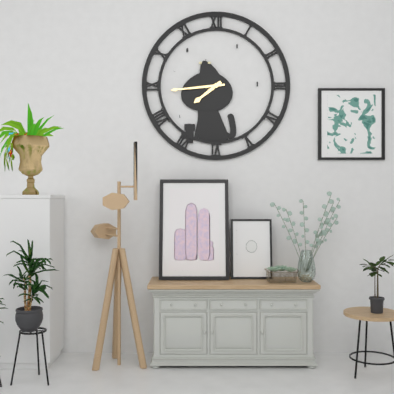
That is 7h44
